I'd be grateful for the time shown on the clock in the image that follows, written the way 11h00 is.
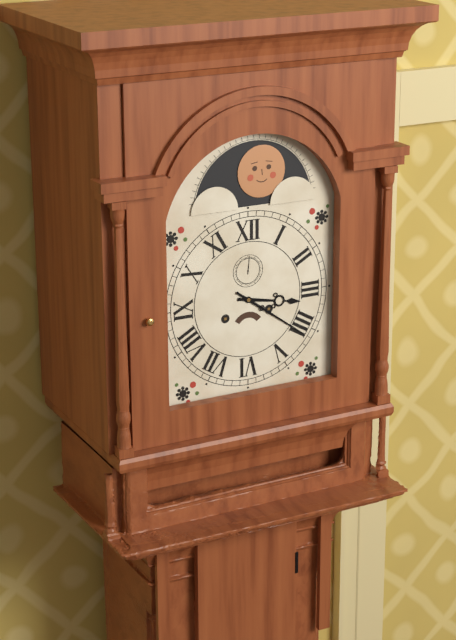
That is 3h21
